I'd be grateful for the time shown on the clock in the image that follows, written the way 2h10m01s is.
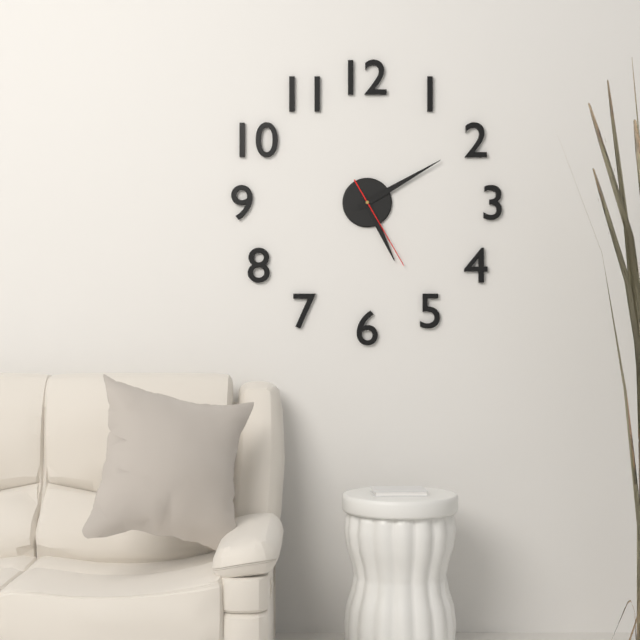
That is 5h10m25s
